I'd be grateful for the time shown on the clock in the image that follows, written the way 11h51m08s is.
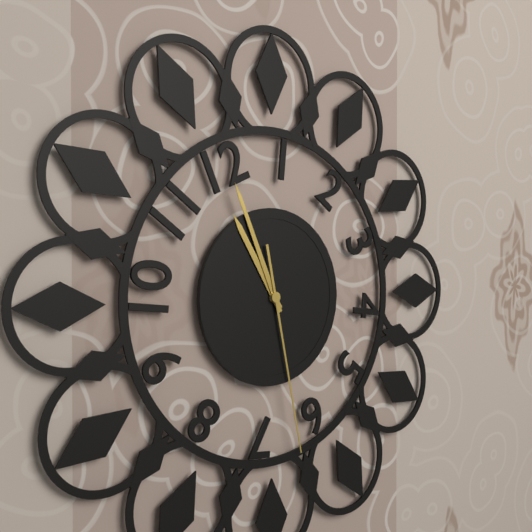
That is 10h56m28s
